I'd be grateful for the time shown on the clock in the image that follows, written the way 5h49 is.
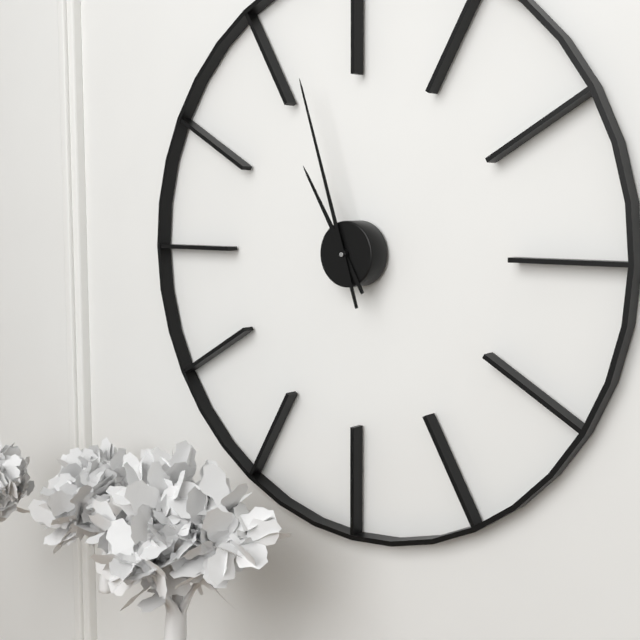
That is 10h57
